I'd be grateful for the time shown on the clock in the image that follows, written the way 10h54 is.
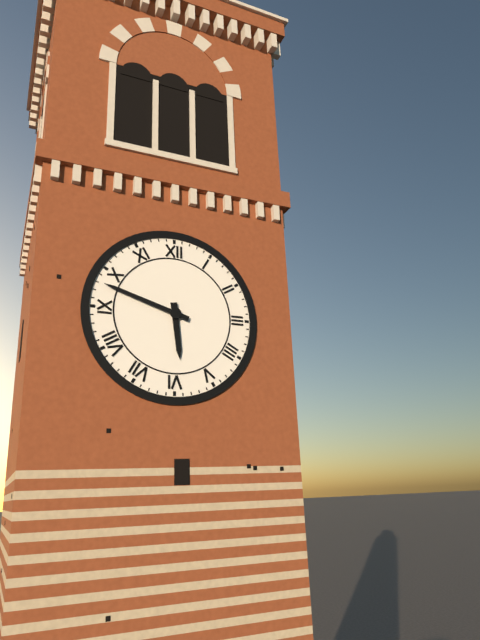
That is 5h48
